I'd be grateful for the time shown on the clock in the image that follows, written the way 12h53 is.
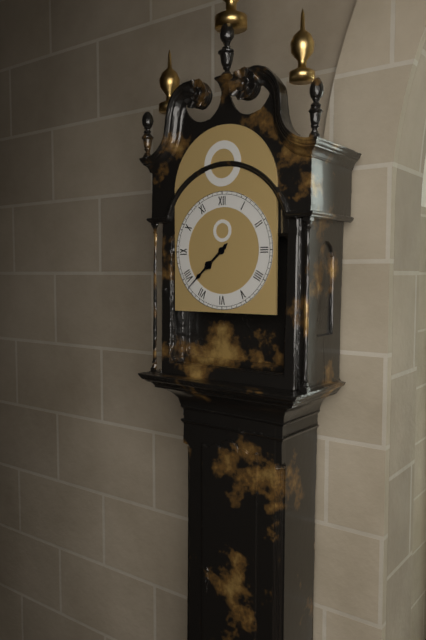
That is 7h38
